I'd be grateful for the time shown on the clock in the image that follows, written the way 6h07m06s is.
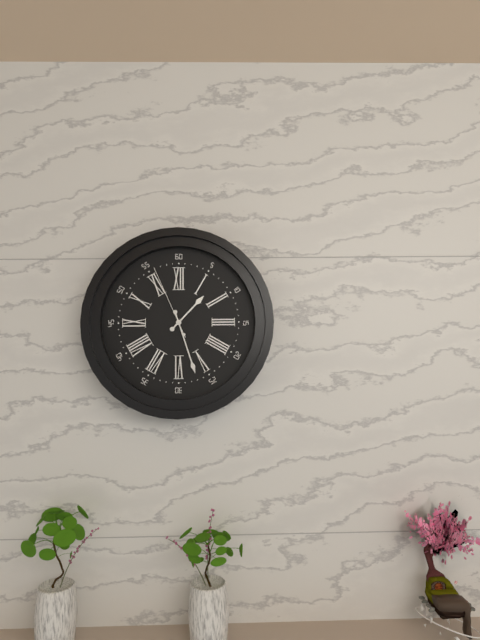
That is 1h27m56s
